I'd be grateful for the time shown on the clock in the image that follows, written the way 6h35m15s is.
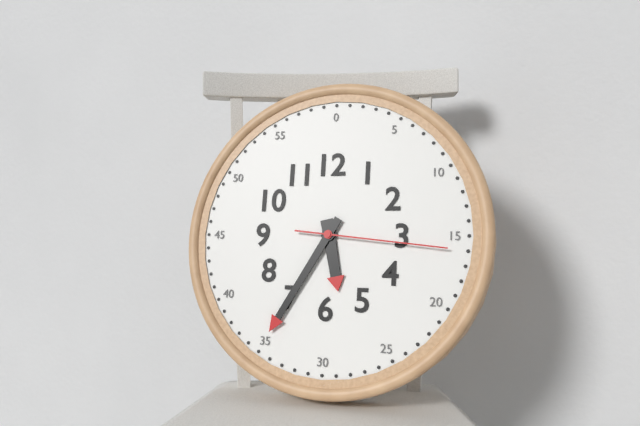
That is 5h35m16s
